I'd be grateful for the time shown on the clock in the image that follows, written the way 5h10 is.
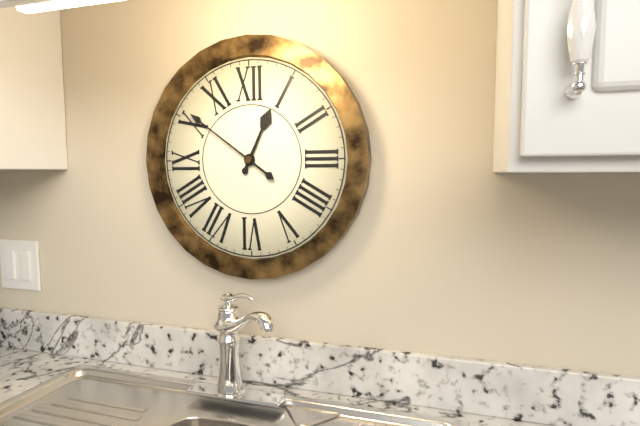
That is 12h51
